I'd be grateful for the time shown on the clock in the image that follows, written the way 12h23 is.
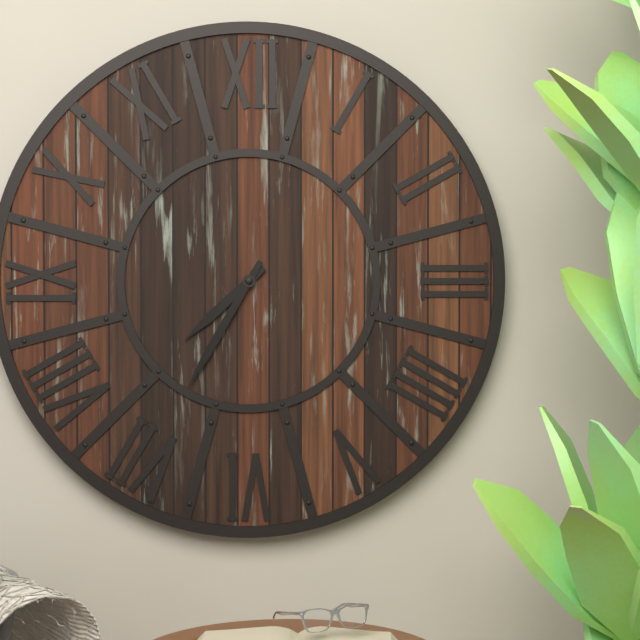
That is 7h35
